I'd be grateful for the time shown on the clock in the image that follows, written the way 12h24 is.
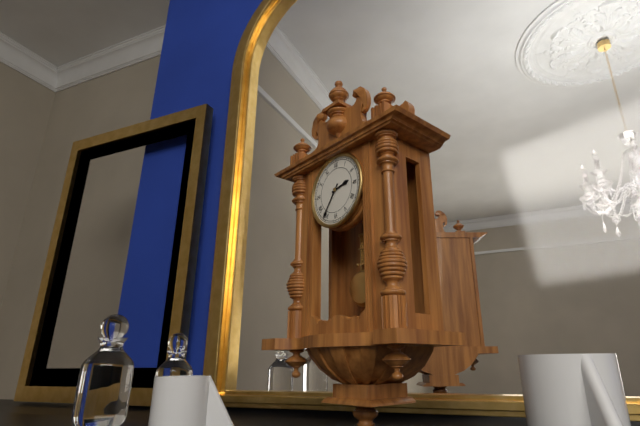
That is 2h36
